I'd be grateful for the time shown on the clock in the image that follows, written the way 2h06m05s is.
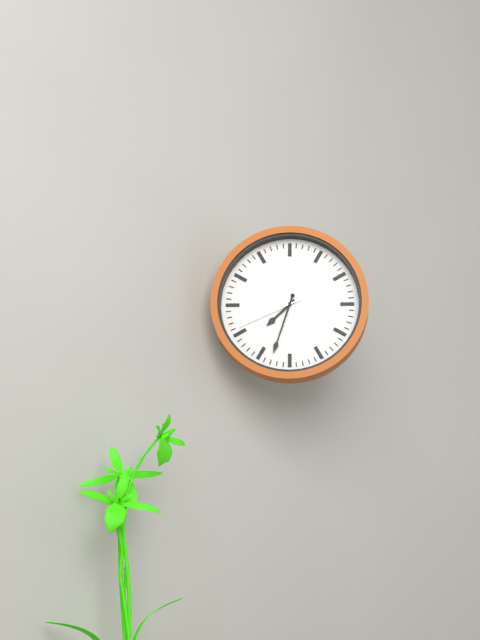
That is 7h33m41s
